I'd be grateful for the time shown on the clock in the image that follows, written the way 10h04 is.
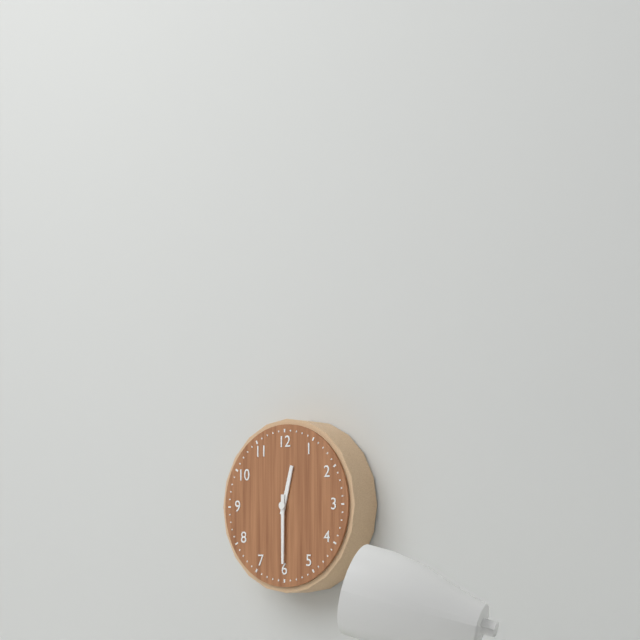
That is 12h30
